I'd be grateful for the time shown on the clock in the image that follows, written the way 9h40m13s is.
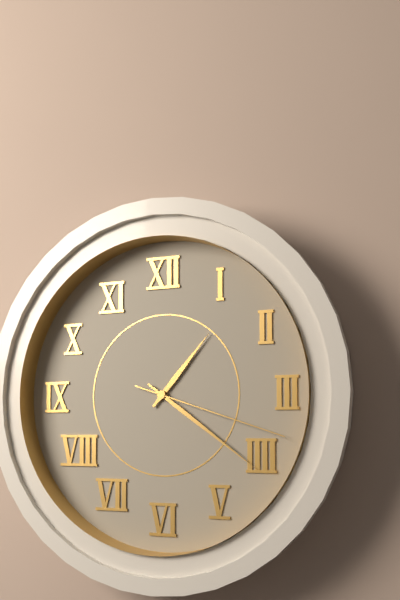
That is 1h21m18s
